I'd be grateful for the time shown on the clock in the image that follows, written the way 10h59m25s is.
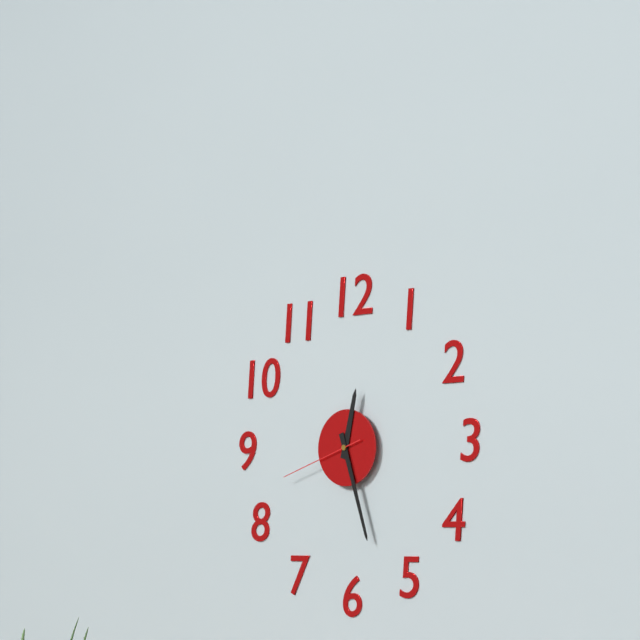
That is 12h27m42s
